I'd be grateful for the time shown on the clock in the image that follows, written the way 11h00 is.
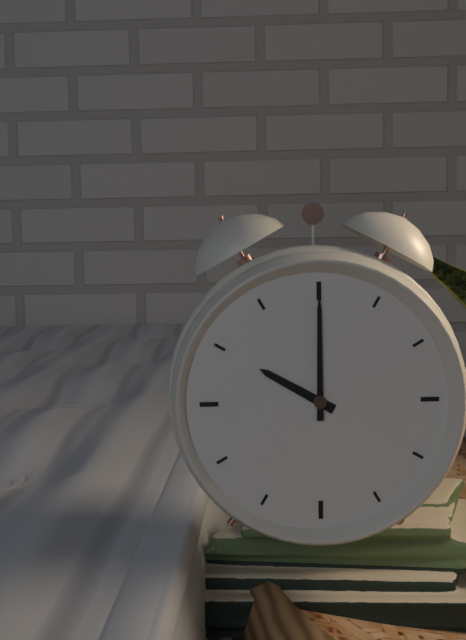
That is 10h00
